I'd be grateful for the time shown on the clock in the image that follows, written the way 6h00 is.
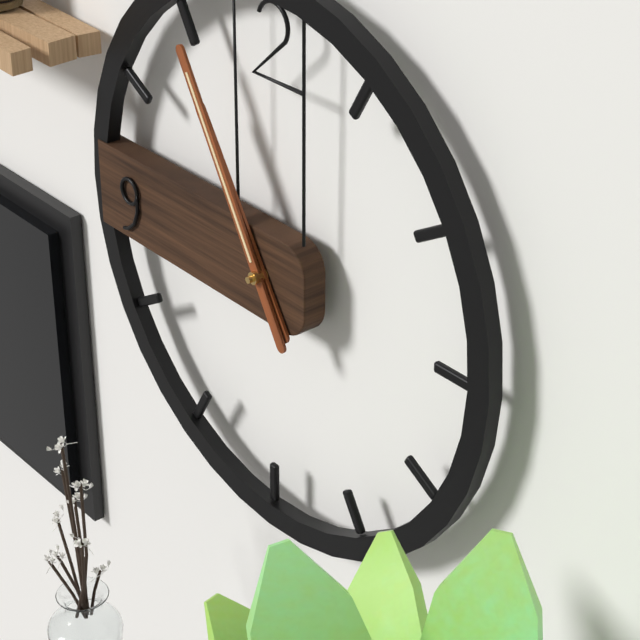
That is 10h55
